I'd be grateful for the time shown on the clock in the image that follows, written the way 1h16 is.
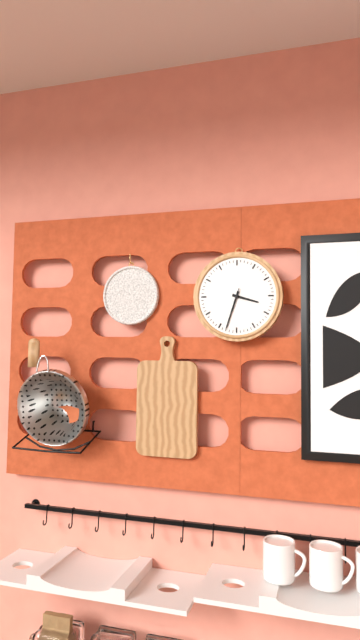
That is 3h33
